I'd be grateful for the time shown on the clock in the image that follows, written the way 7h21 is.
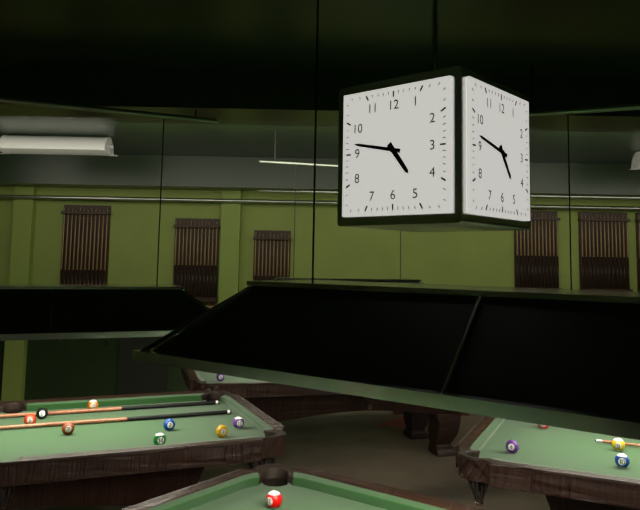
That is 4h47
